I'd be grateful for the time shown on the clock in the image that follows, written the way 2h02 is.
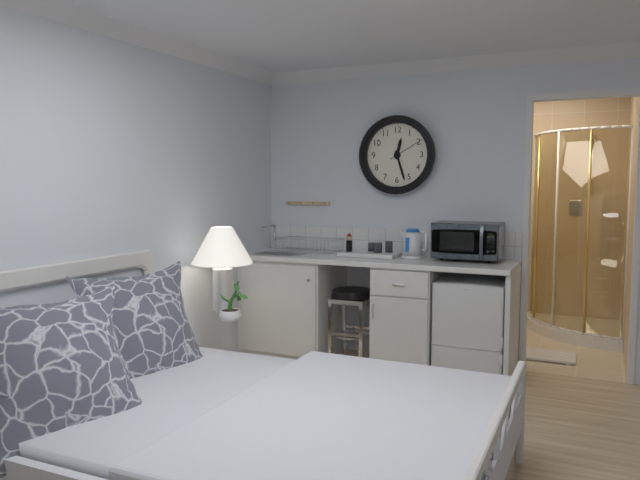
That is 12h27
